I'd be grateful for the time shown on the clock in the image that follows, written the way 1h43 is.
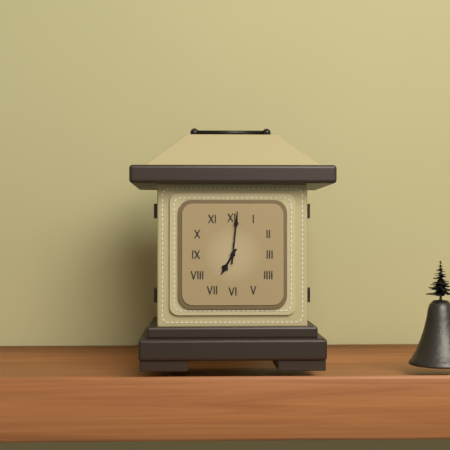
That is 7h01
